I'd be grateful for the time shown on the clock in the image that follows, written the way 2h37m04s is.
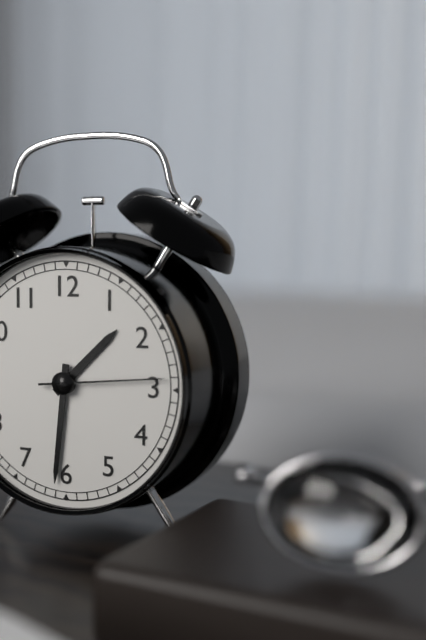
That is 1h31m14s
